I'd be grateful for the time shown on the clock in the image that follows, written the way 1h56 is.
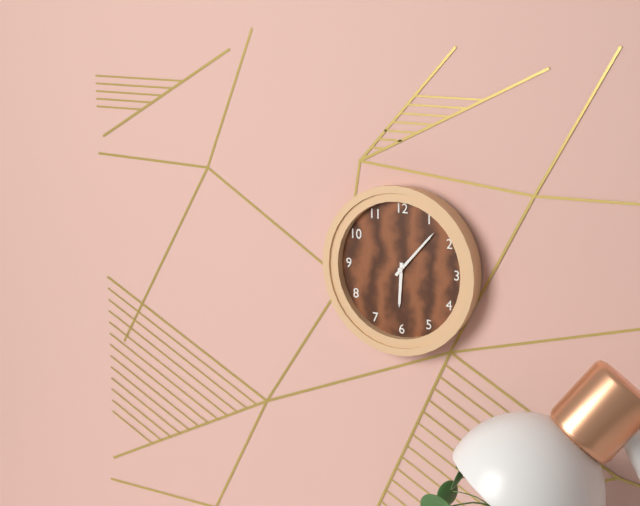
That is 6h07
